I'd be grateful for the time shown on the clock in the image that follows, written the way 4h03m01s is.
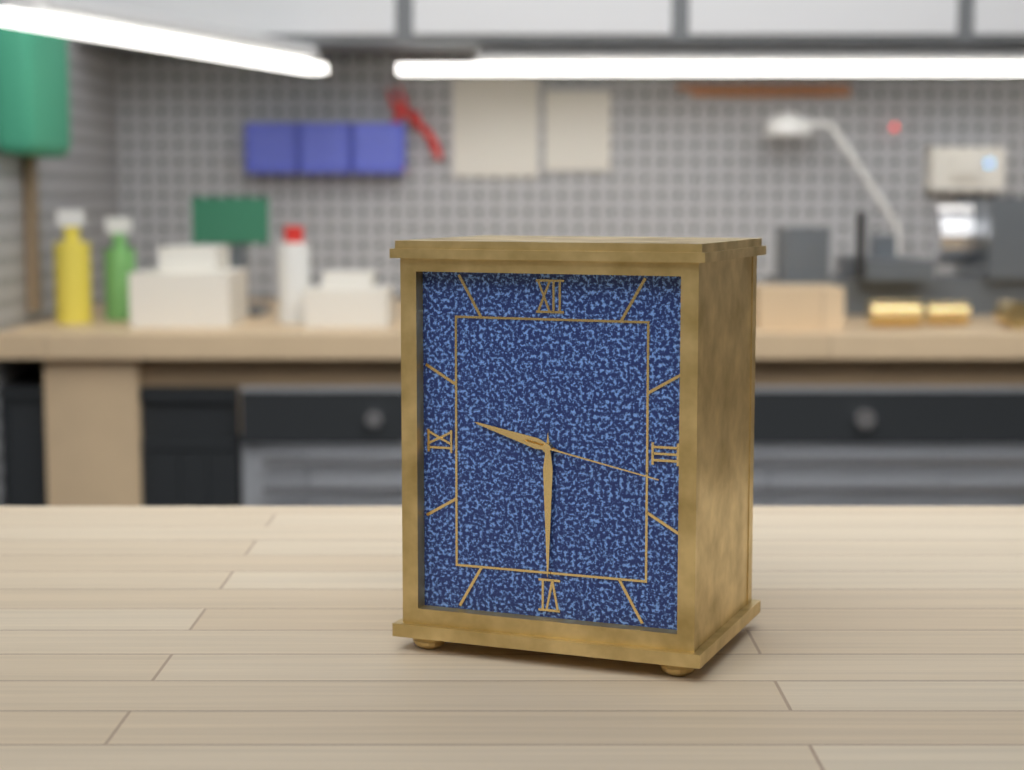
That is 9h30m17s
